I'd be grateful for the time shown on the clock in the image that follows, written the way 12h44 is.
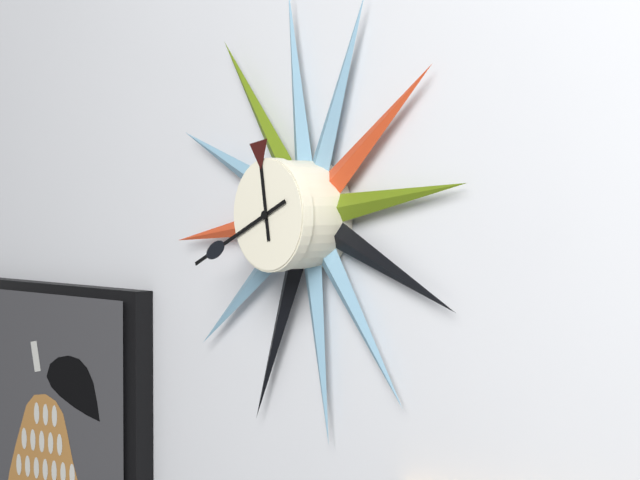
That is 11h41
